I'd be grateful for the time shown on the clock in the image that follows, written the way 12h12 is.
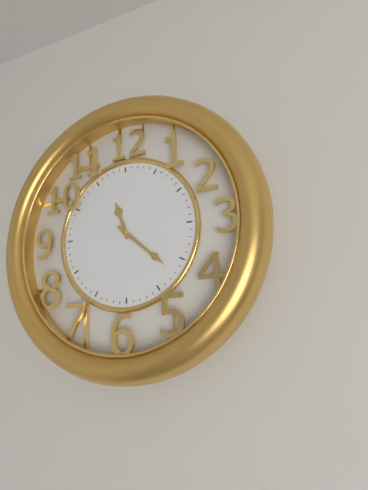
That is 11h22
